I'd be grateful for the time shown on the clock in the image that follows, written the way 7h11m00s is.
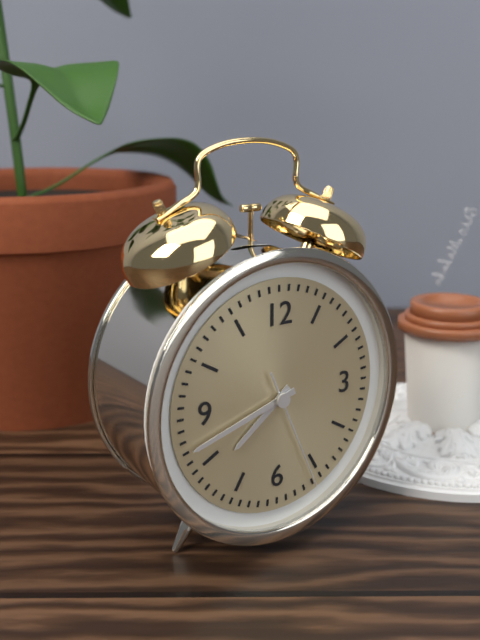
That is 7h42m26s
